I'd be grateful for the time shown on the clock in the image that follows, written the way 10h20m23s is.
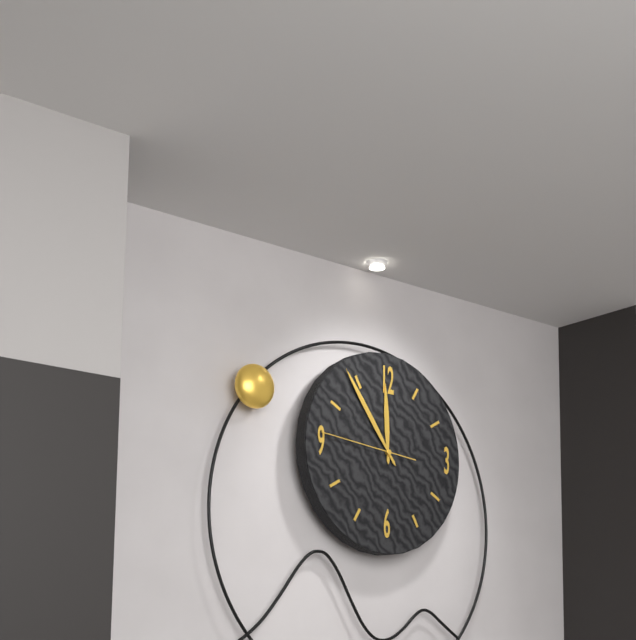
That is 11h54m46s
